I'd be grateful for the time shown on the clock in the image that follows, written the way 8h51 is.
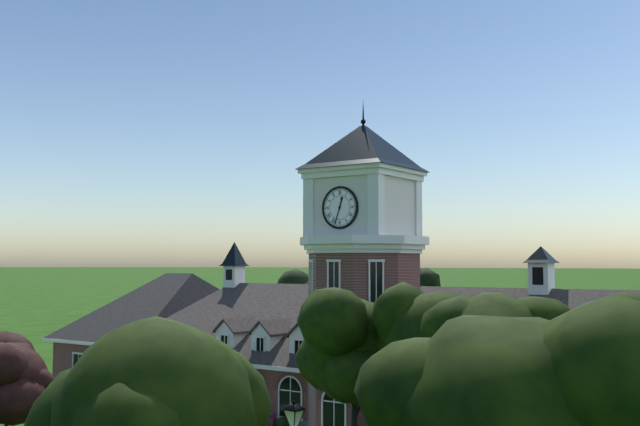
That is 12h33
